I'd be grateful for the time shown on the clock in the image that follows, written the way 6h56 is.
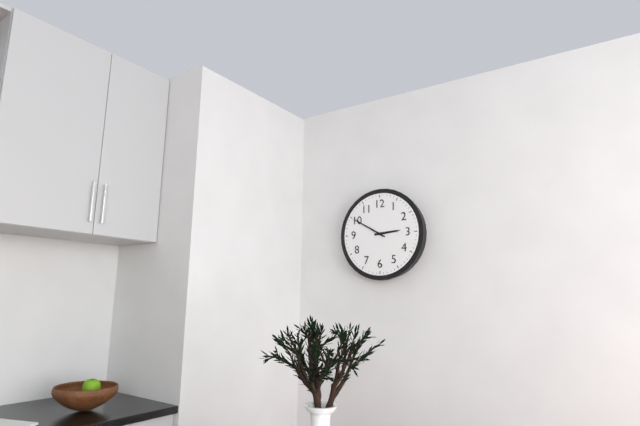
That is 2h50
